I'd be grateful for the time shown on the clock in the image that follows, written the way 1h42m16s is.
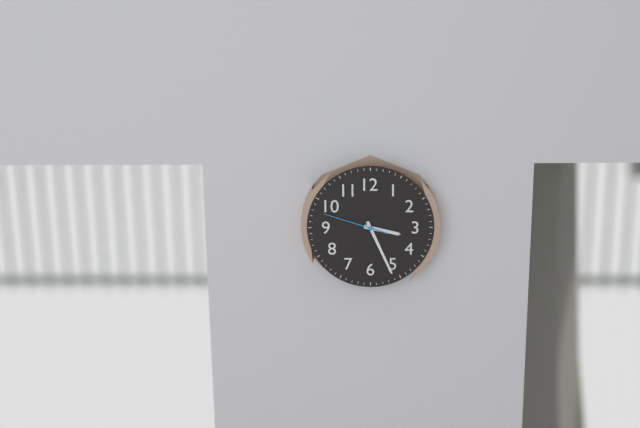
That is 3h26m48s
